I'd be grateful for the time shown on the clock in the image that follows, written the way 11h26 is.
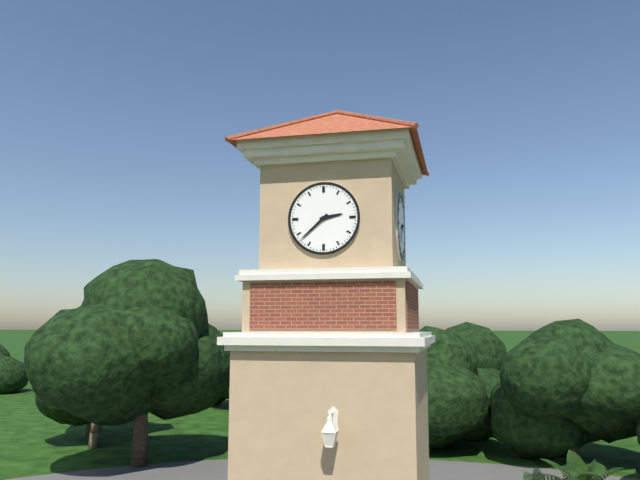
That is 2h38
